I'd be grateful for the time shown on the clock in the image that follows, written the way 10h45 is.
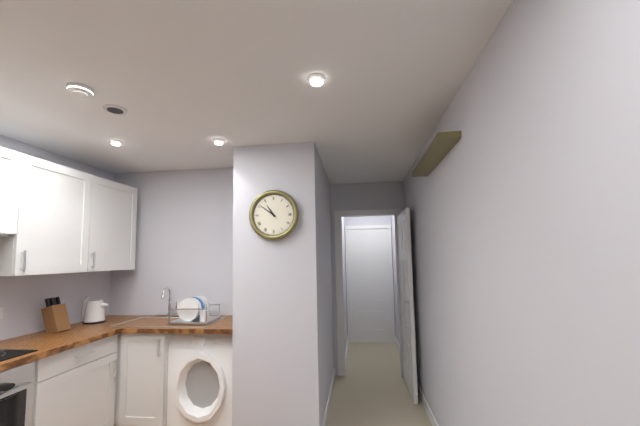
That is 10h51
